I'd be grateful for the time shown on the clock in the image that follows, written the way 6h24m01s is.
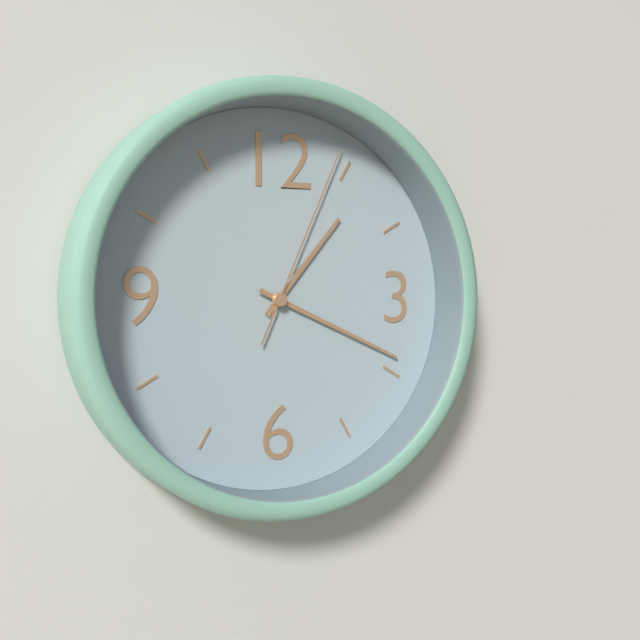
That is 1h19m04s
